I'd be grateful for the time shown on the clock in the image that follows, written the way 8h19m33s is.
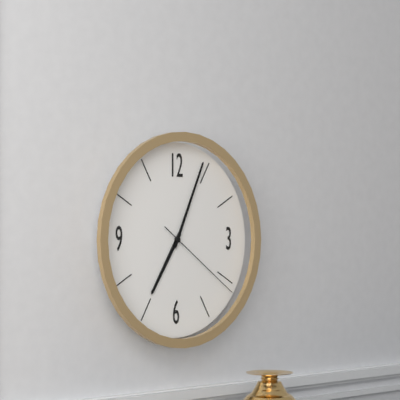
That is 7h04m21s
